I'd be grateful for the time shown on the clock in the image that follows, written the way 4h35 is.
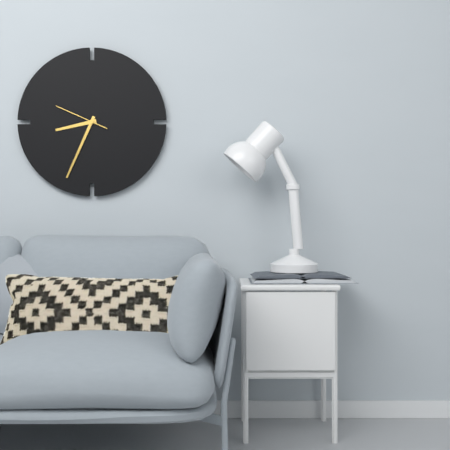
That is 8h34
